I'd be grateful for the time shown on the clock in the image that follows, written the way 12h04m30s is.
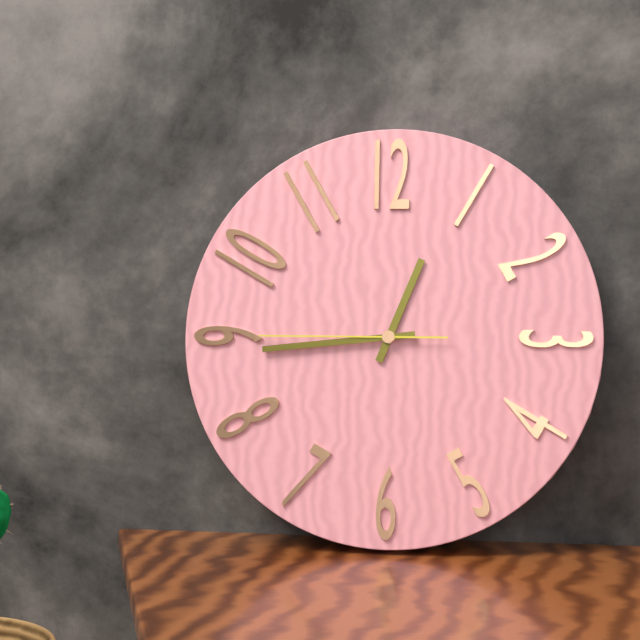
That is 12h44m45s
